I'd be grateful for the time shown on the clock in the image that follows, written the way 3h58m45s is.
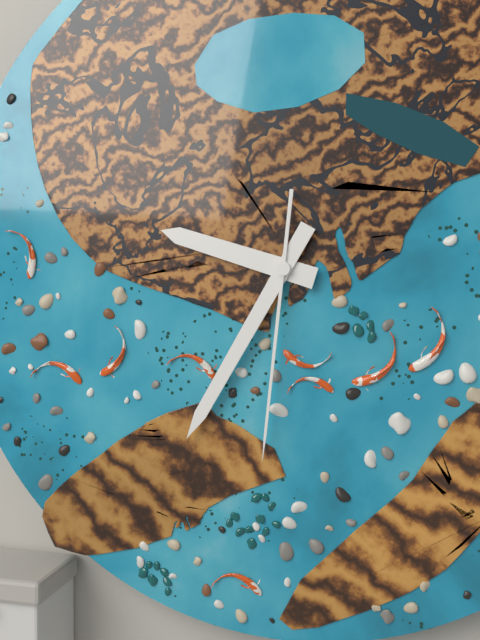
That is 9h35m31s
